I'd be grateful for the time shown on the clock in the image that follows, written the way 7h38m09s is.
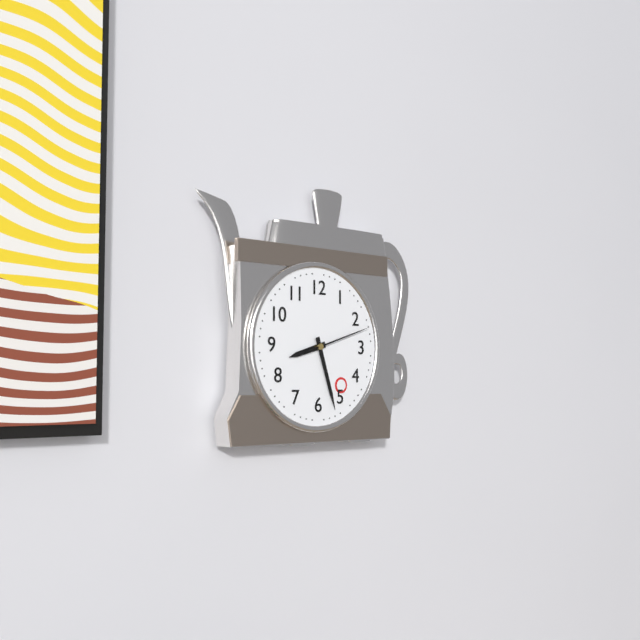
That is 8h27m12s
